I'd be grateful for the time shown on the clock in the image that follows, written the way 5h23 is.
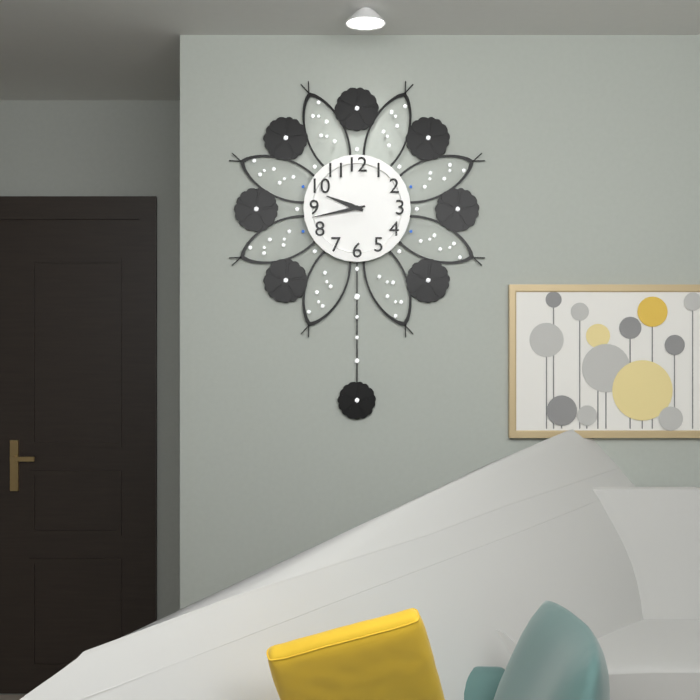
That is 9h43
